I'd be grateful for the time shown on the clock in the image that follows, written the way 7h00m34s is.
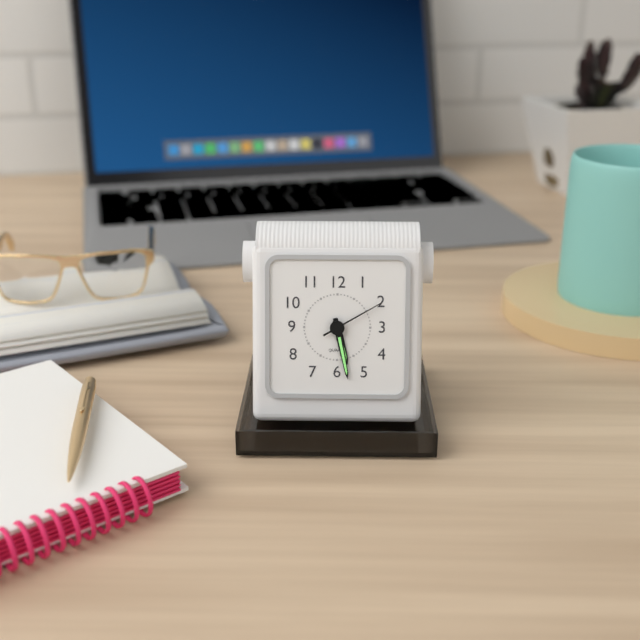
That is 5h28m10s
